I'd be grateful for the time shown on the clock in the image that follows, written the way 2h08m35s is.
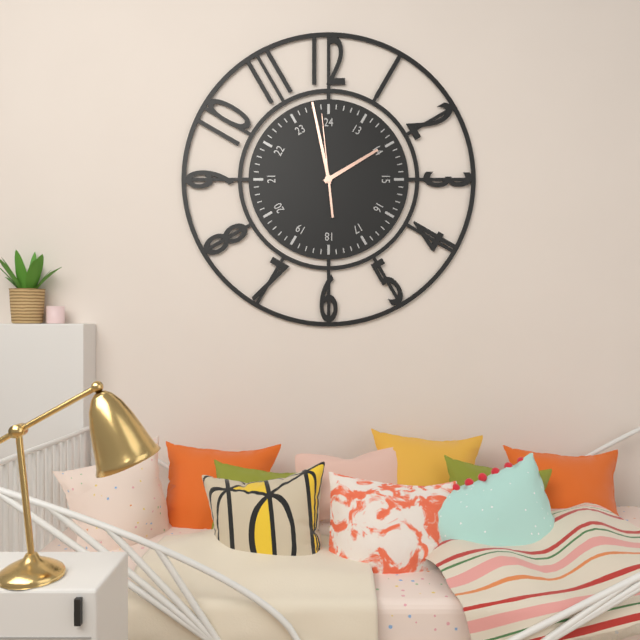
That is 1h58m59s
